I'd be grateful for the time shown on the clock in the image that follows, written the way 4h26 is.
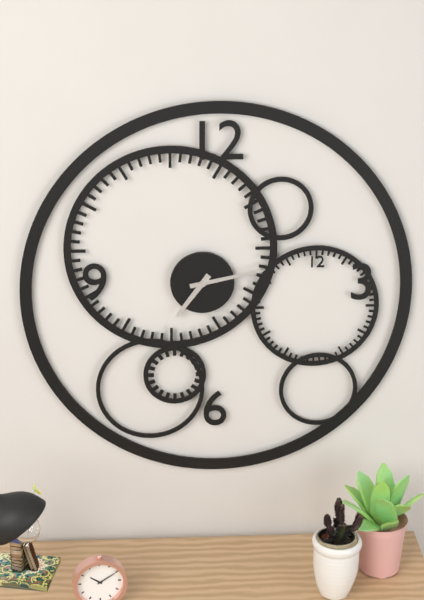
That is 7h13
